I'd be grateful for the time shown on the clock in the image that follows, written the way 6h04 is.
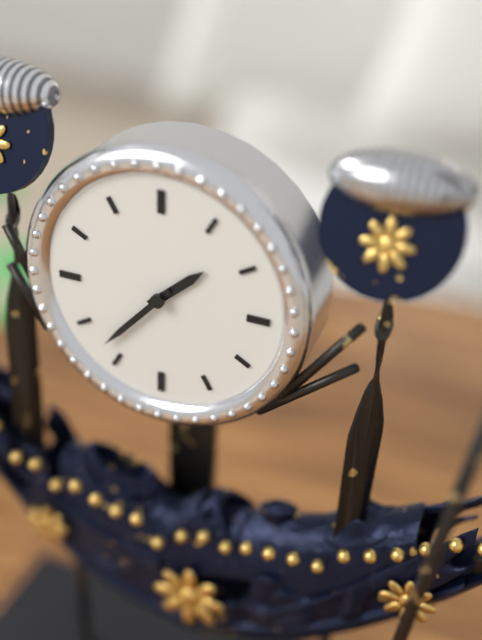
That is 1h37
